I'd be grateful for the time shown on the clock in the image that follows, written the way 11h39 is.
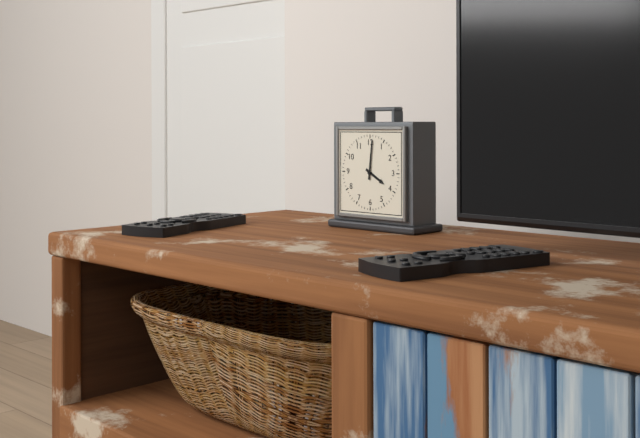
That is 4h01
